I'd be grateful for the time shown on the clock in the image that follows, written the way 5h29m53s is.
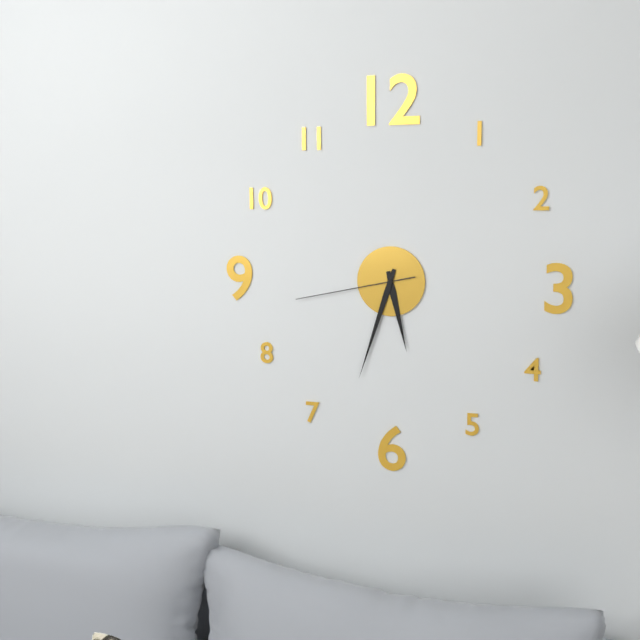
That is 5h33m43s
